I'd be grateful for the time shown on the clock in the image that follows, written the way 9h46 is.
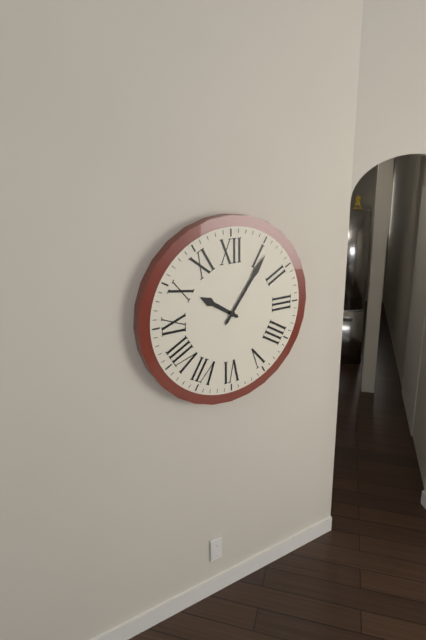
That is 10h06
